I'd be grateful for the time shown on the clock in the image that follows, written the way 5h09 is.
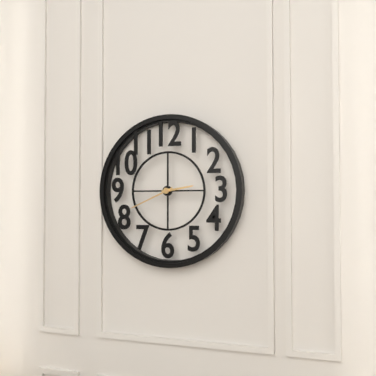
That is 2h41
